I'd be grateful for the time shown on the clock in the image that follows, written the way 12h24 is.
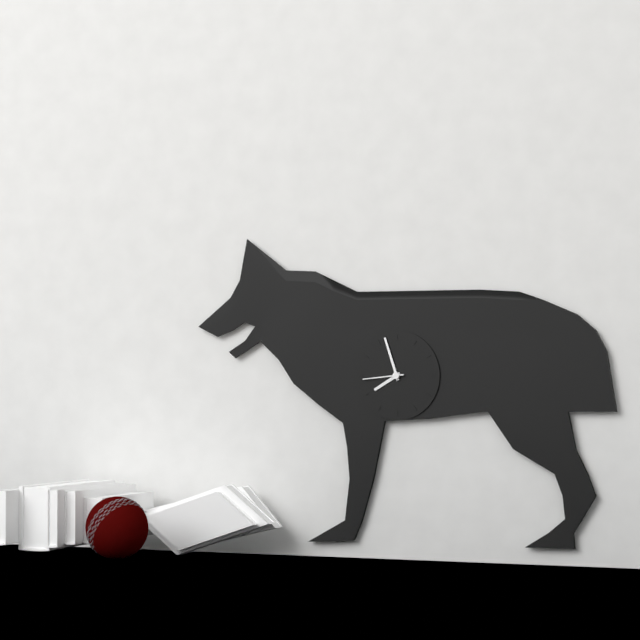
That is 7h57
